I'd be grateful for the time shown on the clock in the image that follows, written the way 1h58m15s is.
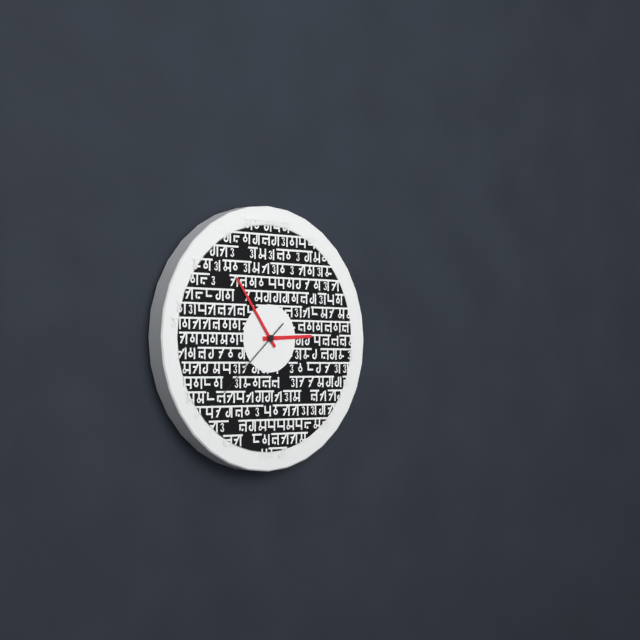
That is 2h54m38s
